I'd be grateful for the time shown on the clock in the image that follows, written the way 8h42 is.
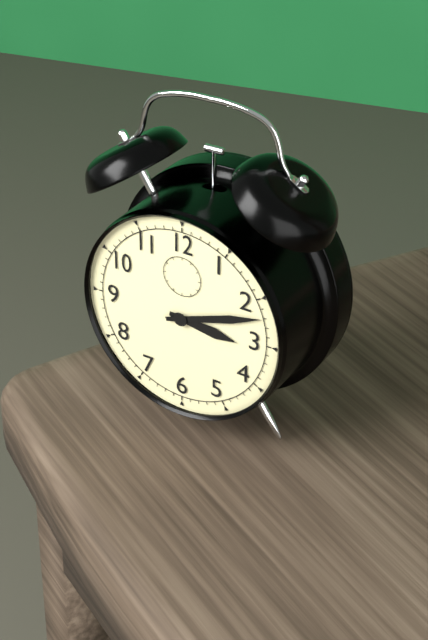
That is 3h12
